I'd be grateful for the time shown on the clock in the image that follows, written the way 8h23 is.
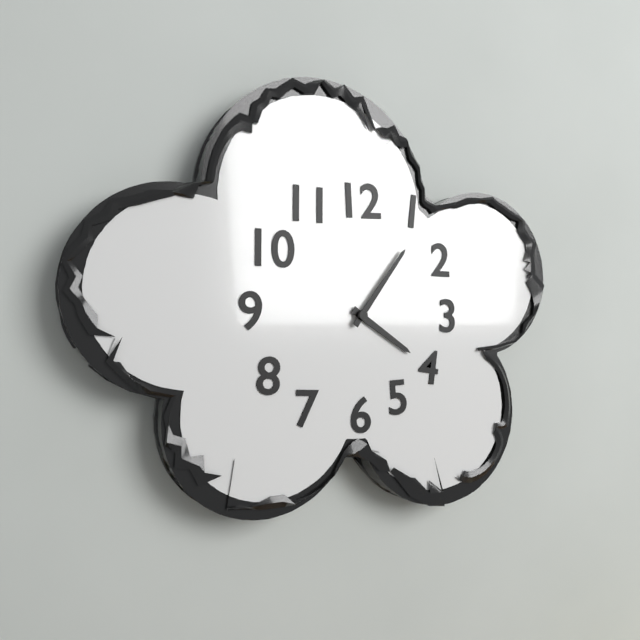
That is 4h06
